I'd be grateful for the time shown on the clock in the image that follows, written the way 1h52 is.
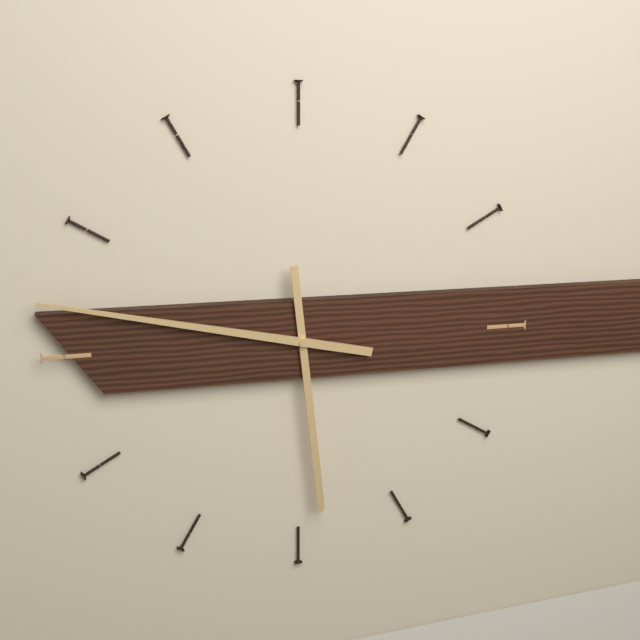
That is 5h47
